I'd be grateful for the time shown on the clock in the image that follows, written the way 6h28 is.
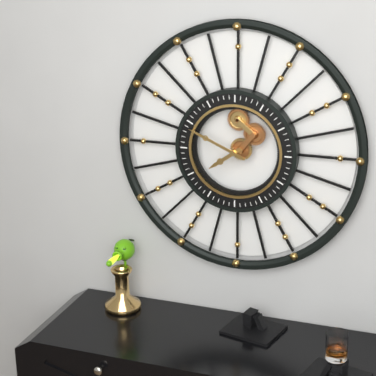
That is 7h49
